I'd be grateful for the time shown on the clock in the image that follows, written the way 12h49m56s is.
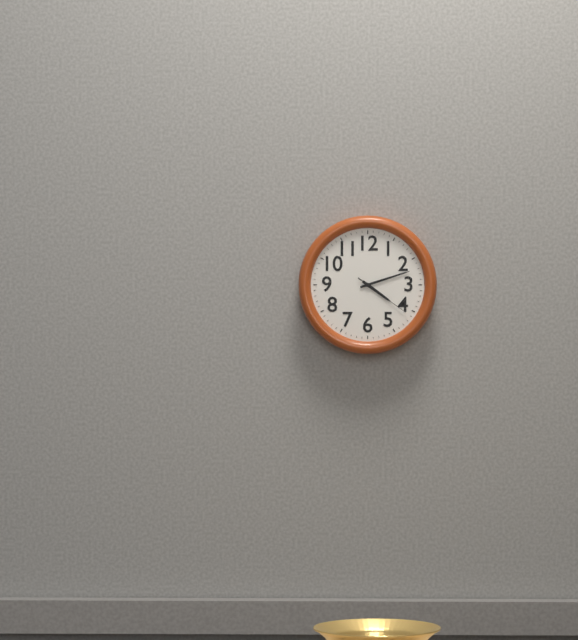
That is 4h12m21s
